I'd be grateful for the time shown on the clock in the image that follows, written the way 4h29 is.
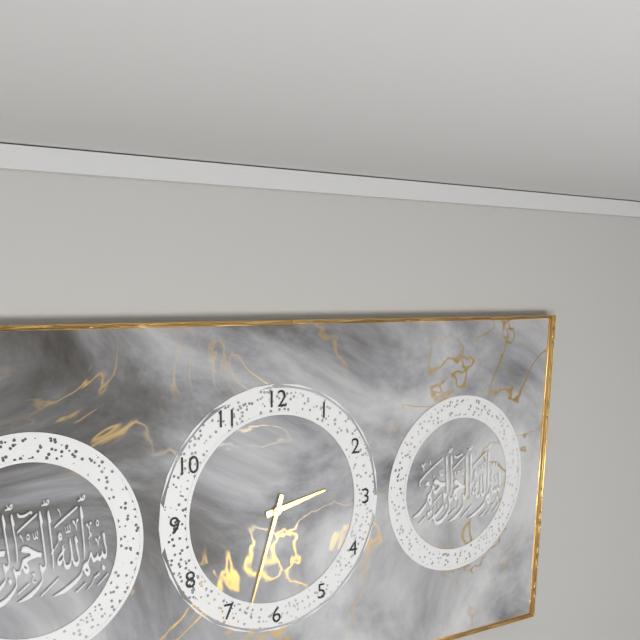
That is 2h33
